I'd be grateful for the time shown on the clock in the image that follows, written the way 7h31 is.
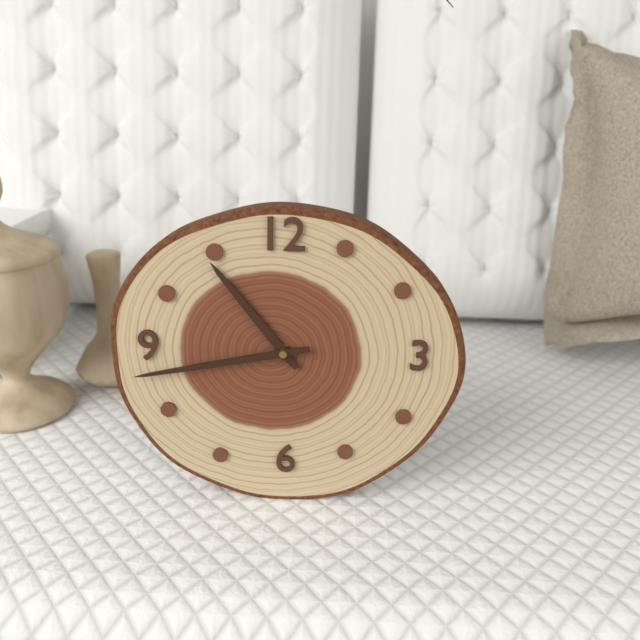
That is 10h43
